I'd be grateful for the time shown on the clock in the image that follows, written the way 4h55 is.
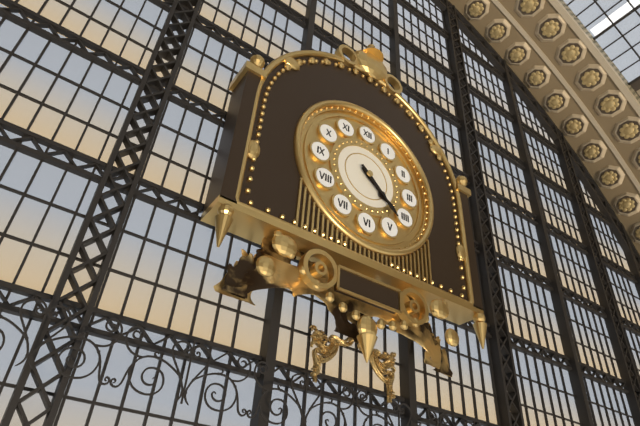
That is 4h22
